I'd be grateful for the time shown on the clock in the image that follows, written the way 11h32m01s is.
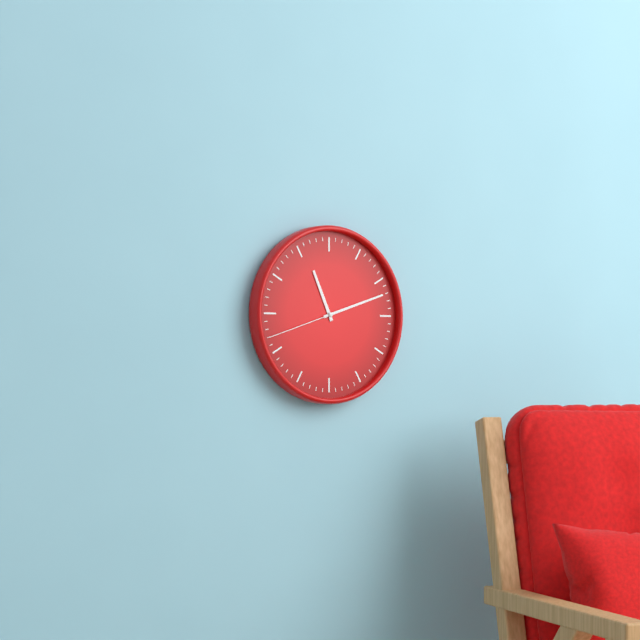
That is 11h12m42s
